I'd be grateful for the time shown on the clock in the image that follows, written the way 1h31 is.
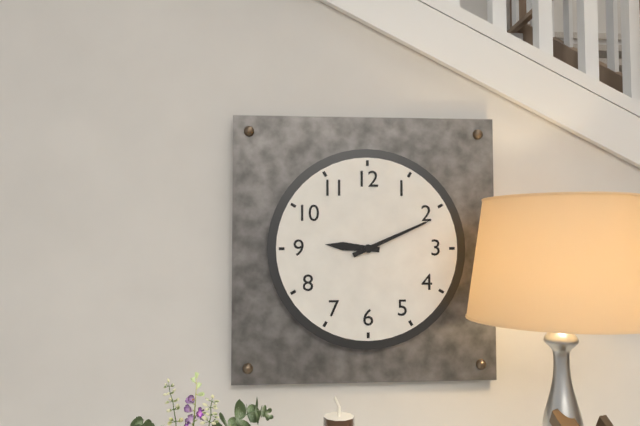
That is 9h11
